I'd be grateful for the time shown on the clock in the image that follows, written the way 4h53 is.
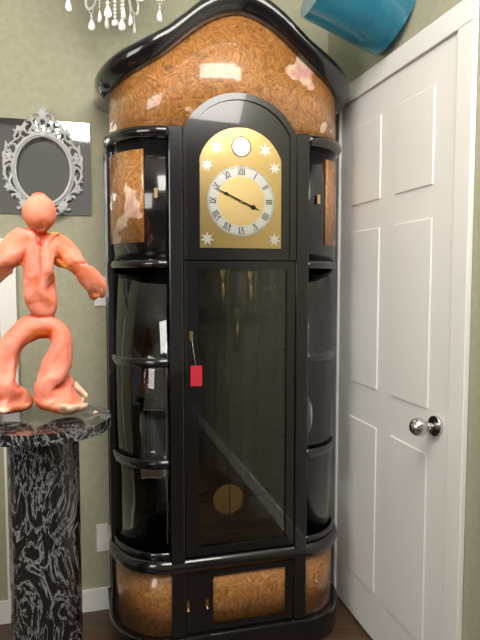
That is 3h49
